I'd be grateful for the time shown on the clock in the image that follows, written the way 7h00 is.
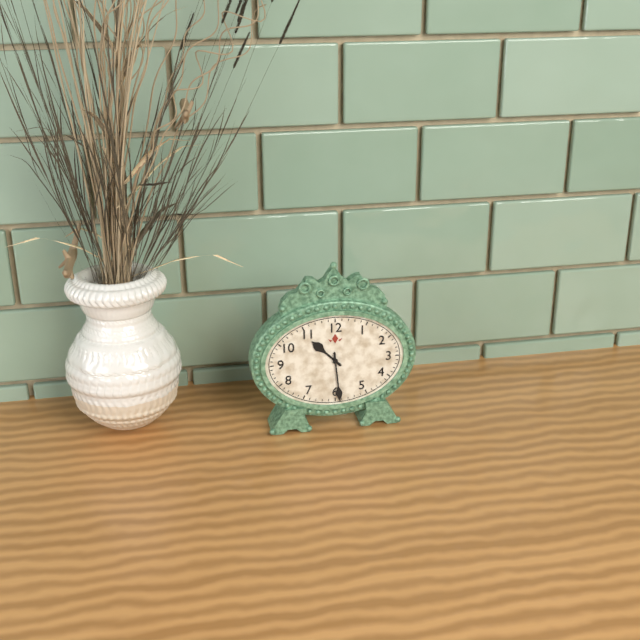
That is 10h29
